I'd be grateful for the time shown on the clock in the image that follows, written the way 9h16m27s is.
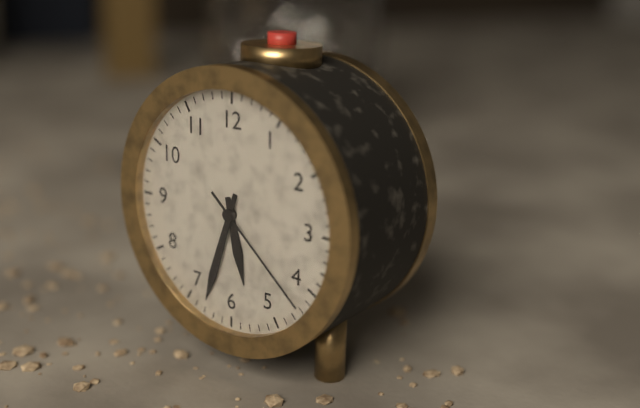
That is 5h33m22s
